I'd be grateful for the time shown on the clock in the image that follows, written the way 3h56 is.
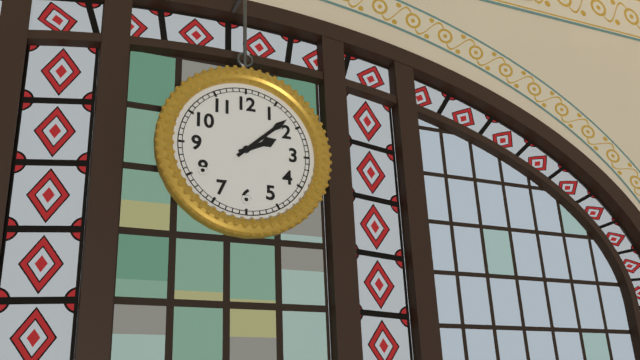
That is 2h08
